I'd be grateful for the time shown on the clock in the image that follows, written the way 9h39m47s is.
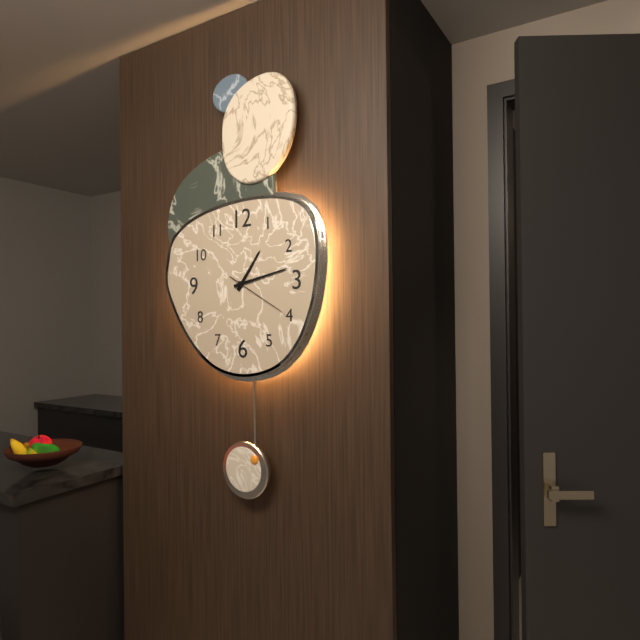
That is 1h13m20s
